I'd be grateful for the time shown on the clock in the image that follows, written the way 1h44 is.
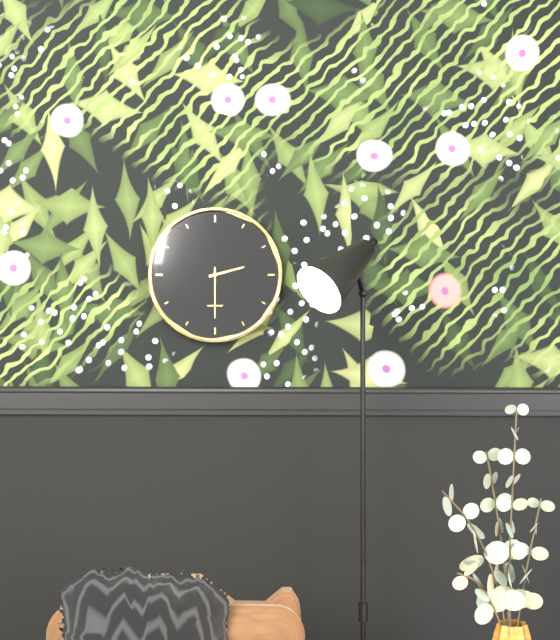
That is 2h30
